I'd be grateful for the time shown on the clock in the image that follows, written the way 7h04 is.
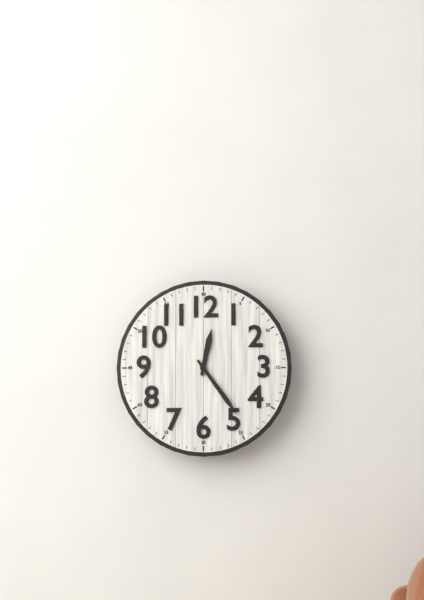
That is 12h24
